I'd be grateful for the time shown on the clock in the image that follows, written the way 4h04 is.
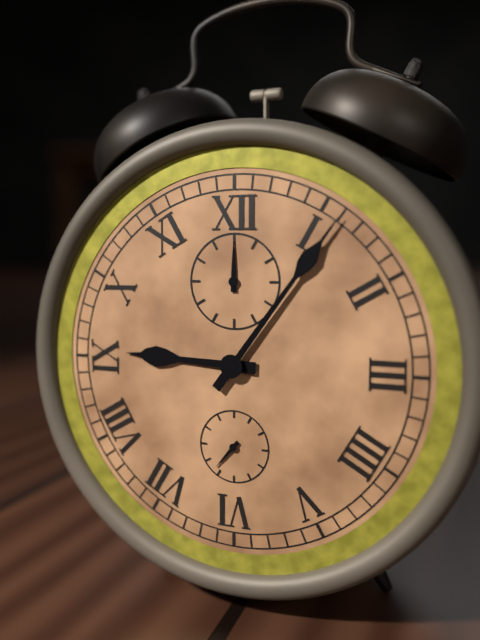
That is 9h06
